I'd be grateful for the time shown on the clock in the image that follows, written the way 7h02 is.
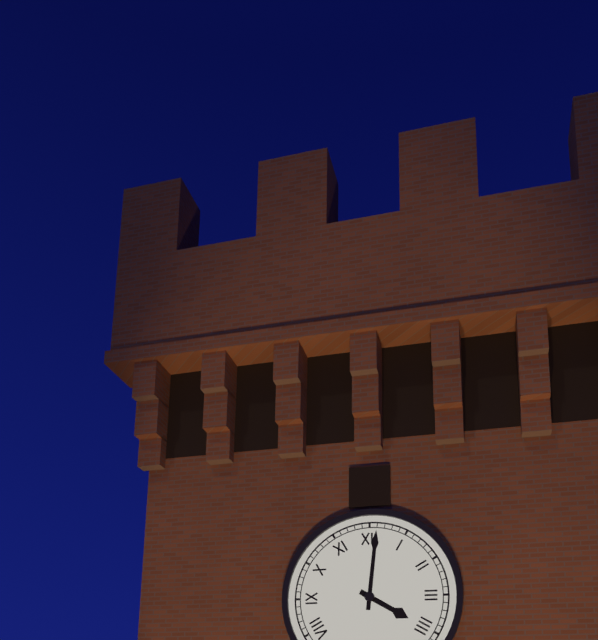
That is 4h01
